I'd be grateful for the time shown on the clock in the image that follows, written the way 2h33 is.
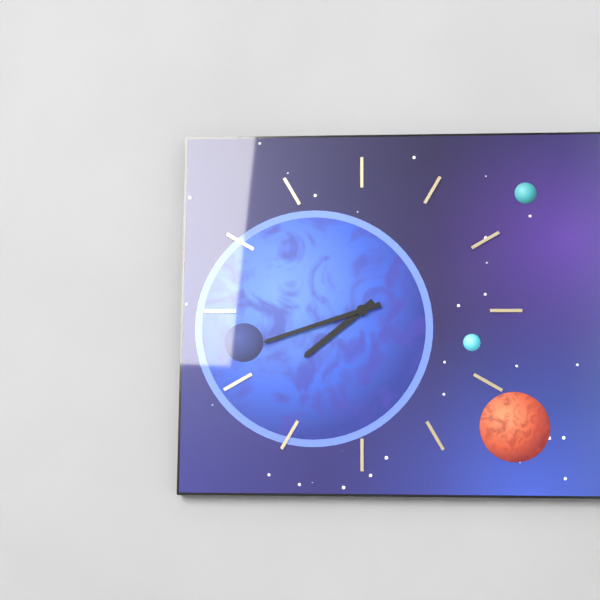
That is 7h42
